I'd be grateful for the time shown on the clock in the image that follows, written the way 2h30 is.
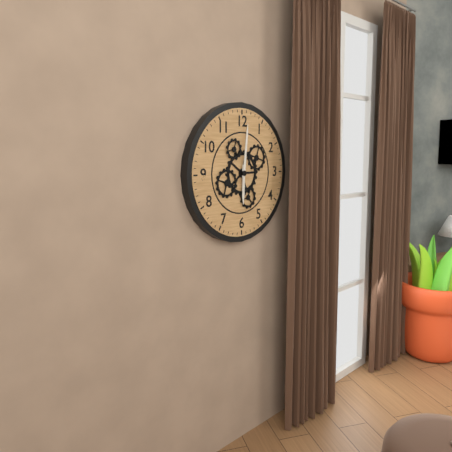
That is 6h01
